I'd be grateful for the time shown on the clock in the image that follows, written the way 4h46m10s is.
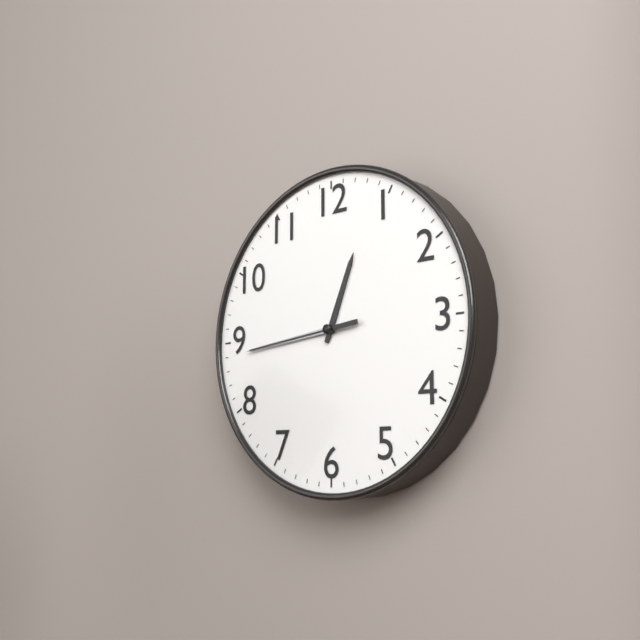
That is 12h44m44s
